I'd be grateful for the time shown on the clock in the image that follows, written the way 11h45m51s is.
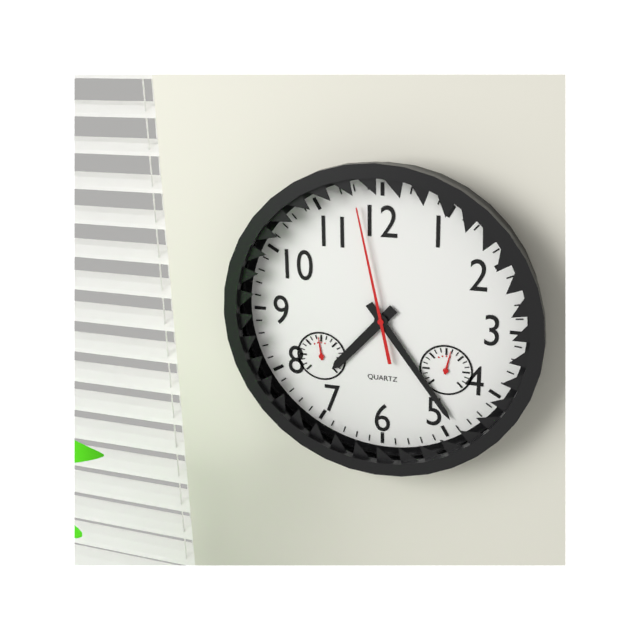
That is 7h24m58s
